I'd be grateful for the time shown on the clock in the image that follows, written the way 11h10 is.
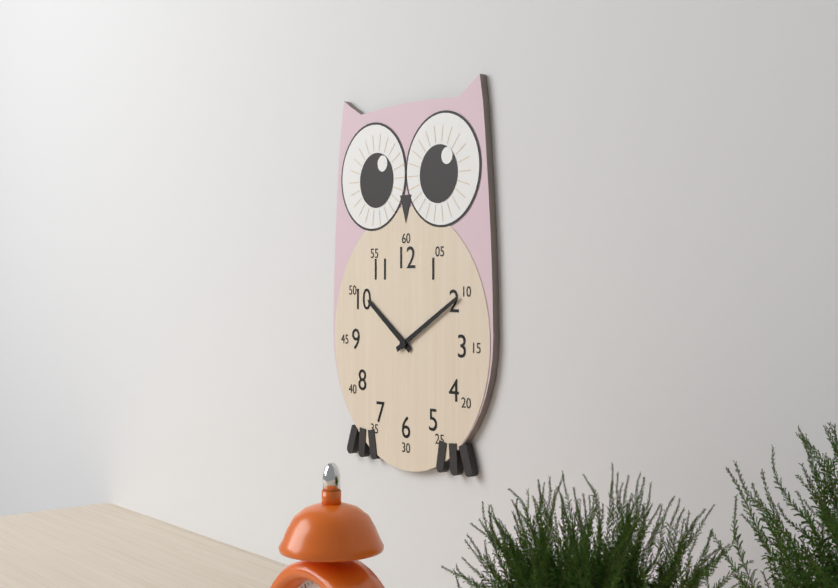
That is 10h10
